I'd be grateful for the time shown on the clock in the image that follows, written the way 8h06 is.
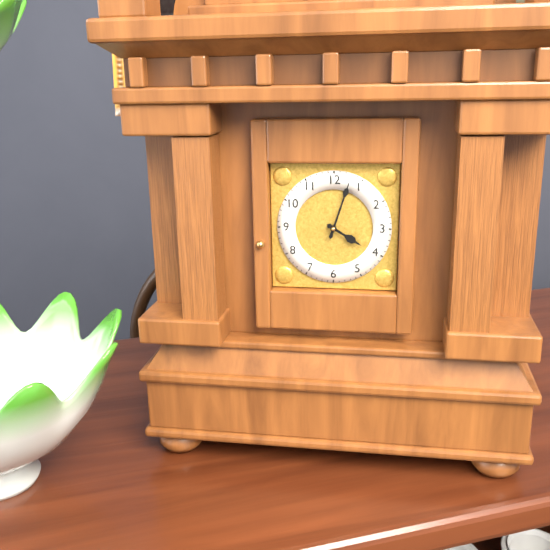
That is 4h03
